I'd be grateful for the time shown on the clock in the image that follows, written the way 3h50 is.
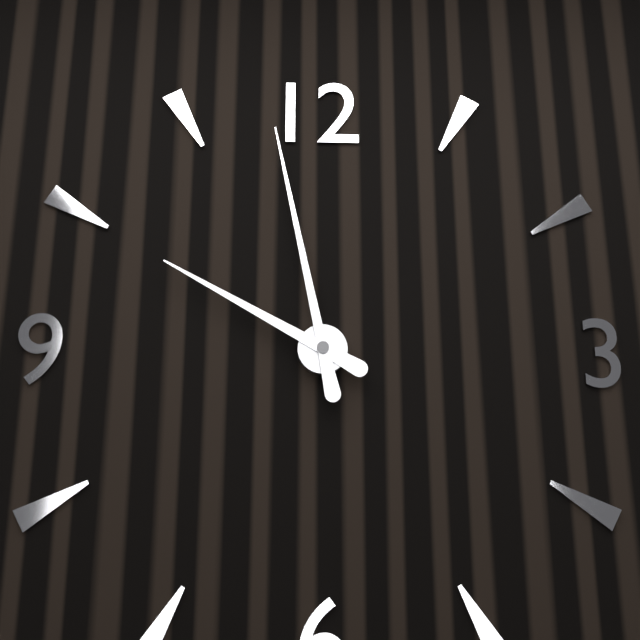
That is 9h58
